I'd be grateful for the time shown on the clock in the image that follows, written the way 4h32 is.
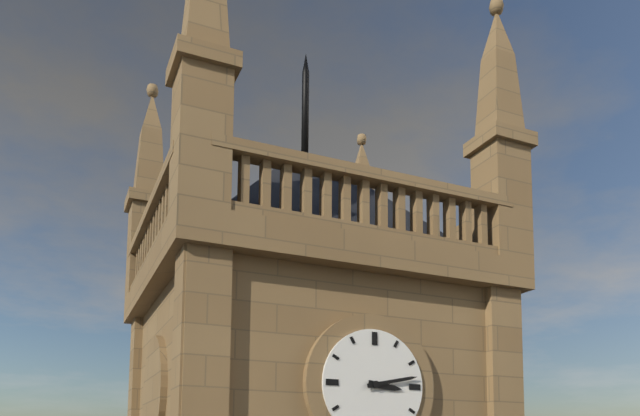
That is 3h13
